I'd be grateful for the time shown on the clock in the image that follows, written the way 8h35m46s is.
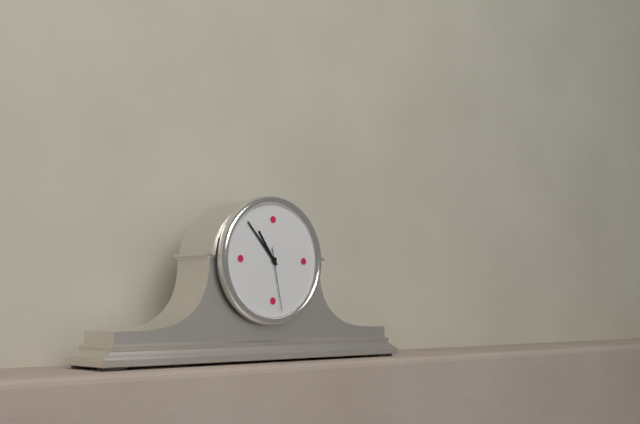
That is 10h53m28s
